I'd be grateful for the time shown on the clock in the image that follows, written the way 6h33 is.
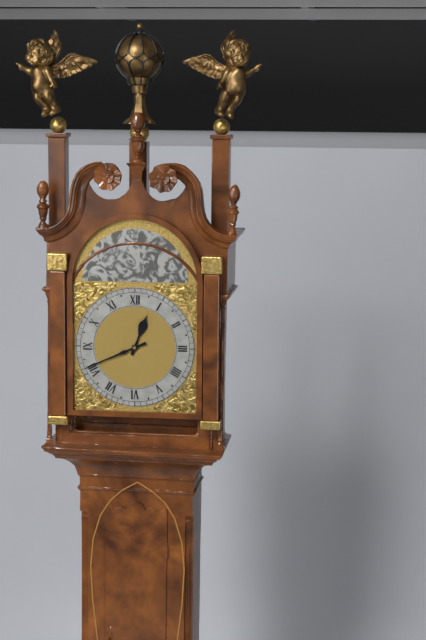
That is 12h41
